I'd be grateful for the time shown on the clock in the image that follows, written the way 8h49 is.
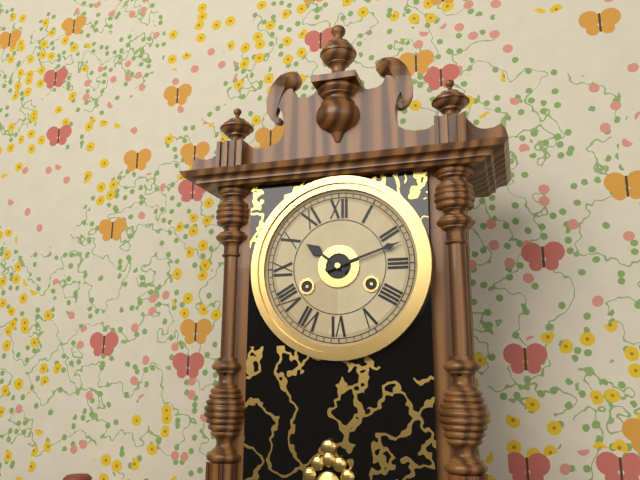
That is 10h12
